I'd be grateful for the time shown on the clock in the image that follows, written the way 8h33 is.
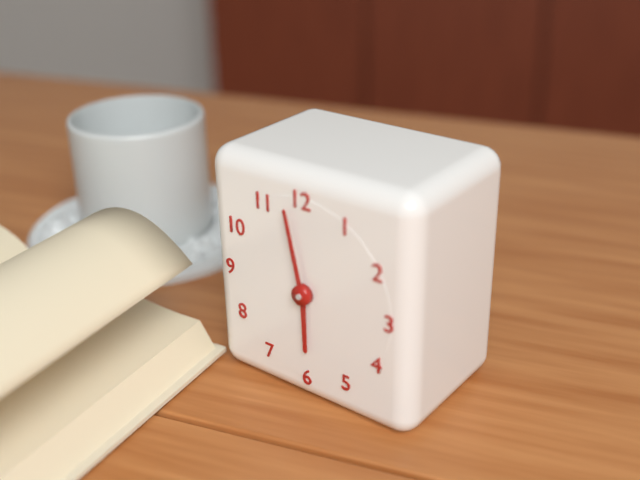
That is 5h58
